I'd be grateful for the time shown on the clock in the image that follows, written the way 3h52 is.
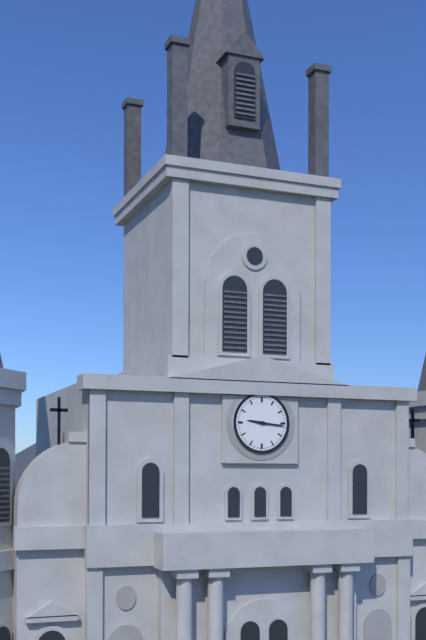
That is 9h16
